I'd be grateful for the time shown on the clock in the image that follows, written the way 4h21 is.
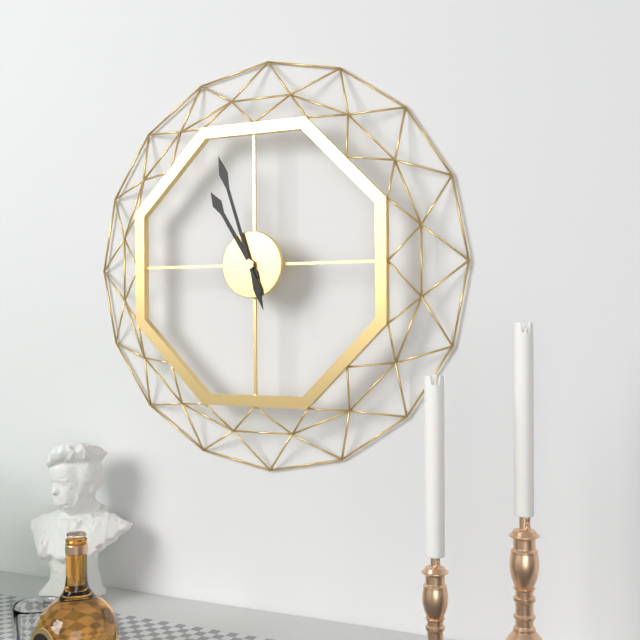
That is 10h57
